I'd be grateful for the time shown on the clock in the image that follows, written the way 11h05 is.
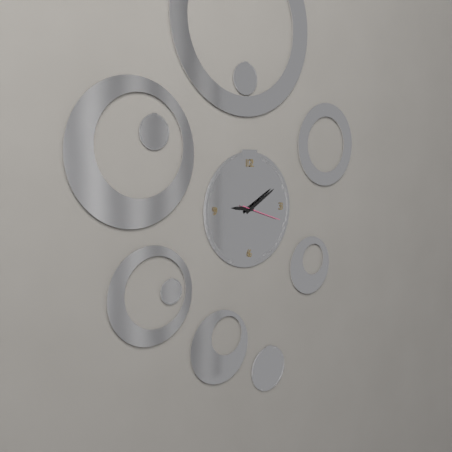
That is 9h10
